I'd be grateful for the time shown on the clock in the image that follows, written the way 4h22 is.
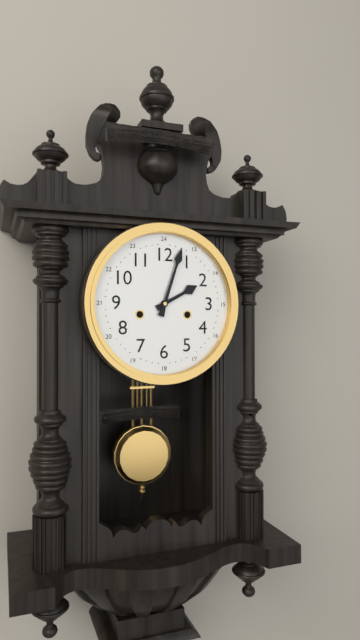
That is 2h03
